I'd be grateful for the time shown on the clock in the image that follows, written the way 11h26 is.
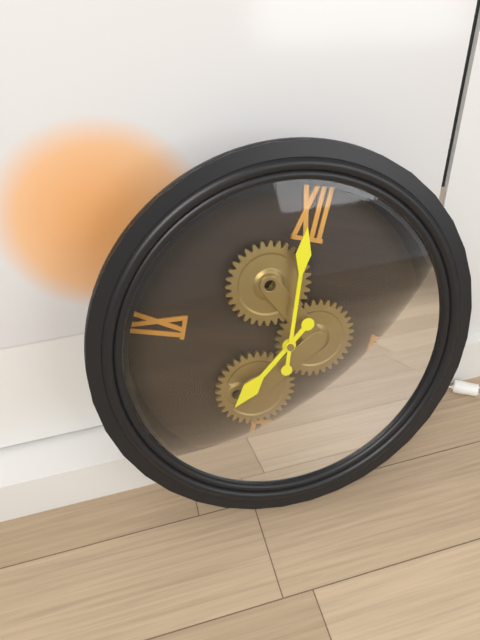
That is 6h59
